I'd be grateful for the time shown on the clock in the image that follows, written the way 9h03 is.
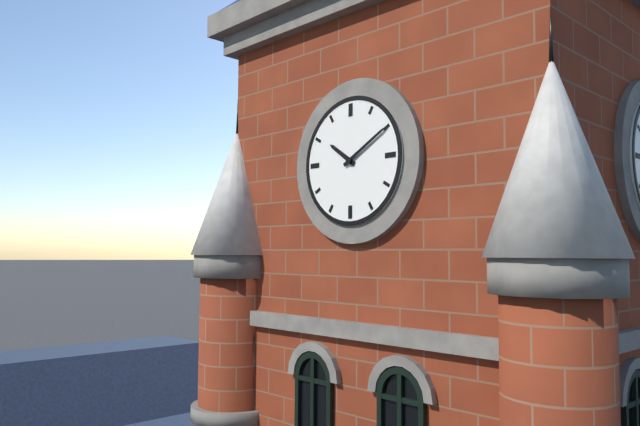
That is 10h10
